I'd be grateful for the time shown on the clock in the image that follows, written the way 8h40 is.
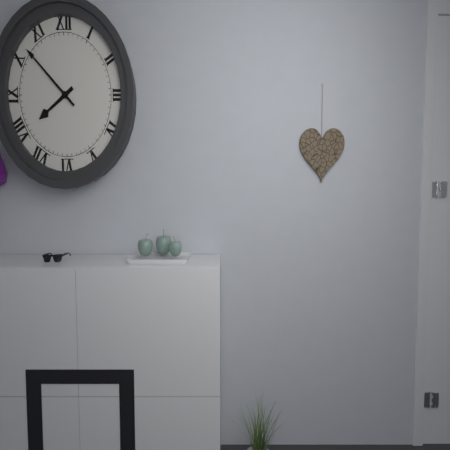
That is 7h52
